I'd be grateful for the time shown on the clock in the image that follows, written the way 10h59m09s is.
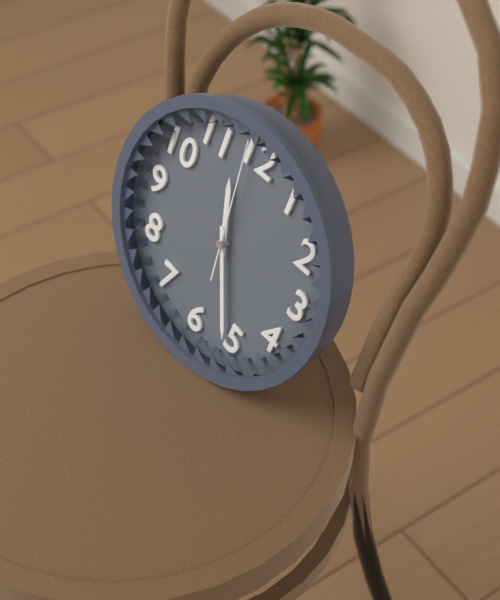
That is 11h26m59s
